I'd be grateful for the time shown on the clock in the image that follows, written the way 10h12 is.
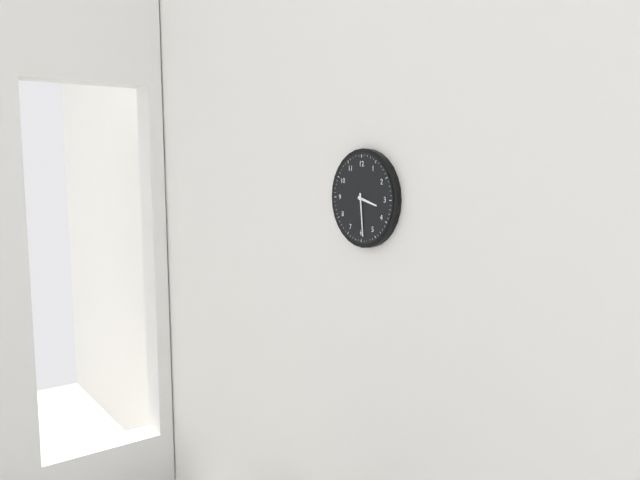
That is 3h29
